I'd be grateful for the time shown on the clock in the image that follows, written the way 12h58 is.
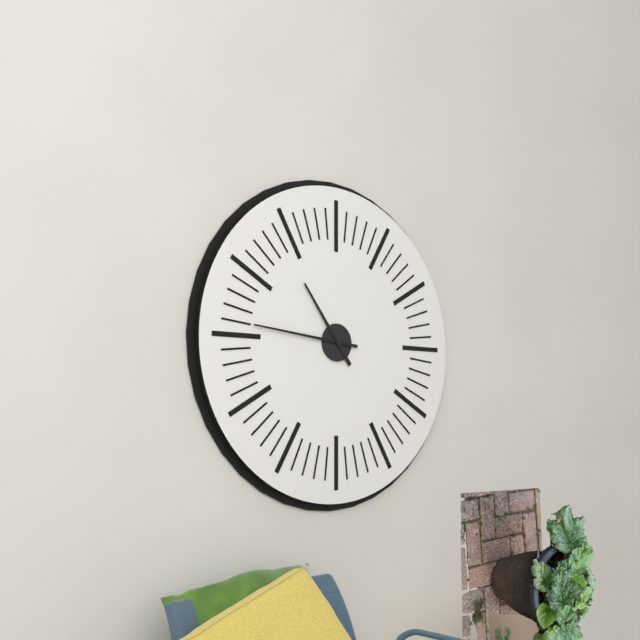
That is 10h46
